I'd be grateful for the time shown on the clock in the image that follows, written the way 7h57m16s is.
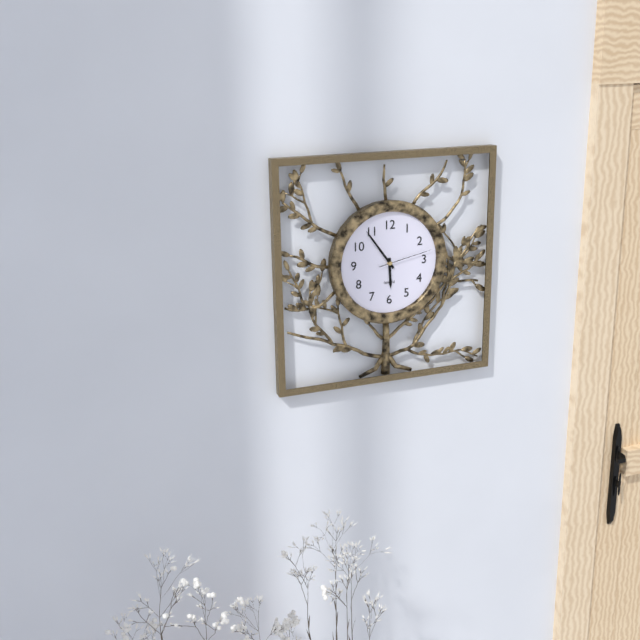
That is 5h54m13s
